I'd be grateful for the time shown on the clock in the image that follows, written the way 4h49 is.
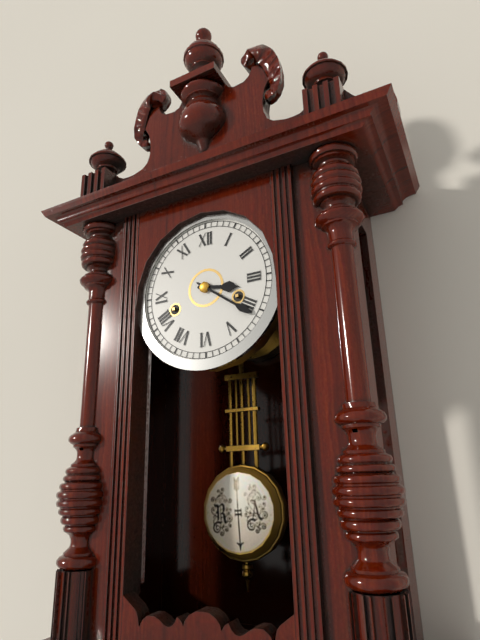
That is 3h21
